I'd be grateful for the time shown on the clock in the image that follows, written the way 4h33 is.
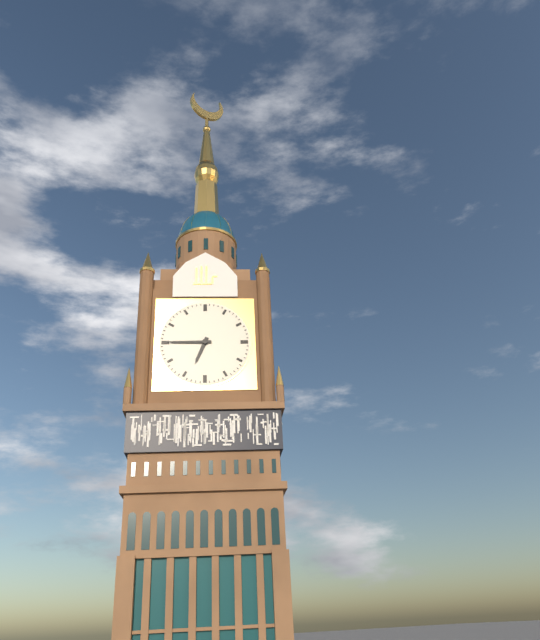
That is 6h45
